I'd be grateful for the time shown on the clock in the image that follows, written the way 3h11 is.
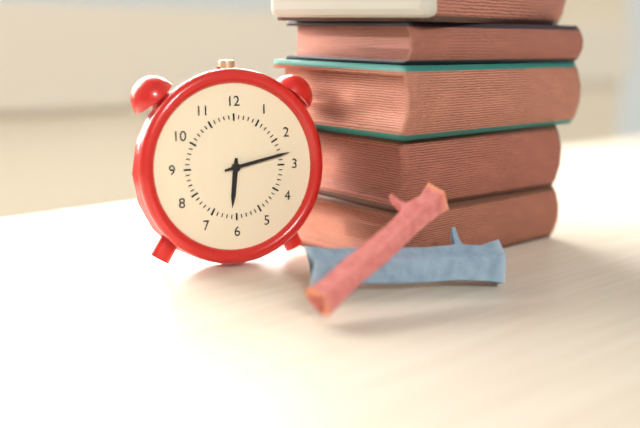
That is 6h13
